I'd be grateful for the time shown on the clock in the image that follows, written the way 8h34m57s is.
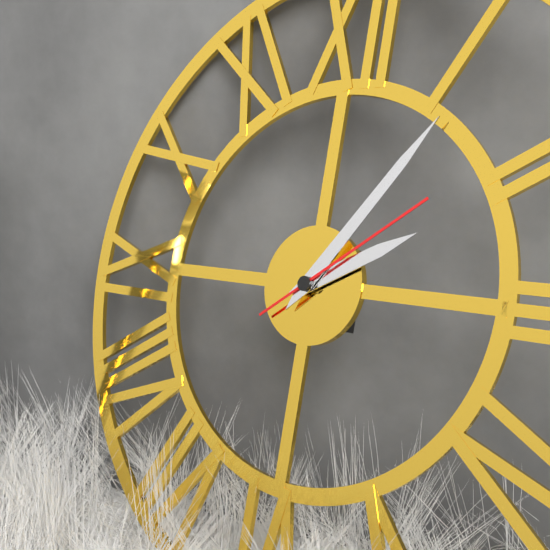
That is 2h06m09s
